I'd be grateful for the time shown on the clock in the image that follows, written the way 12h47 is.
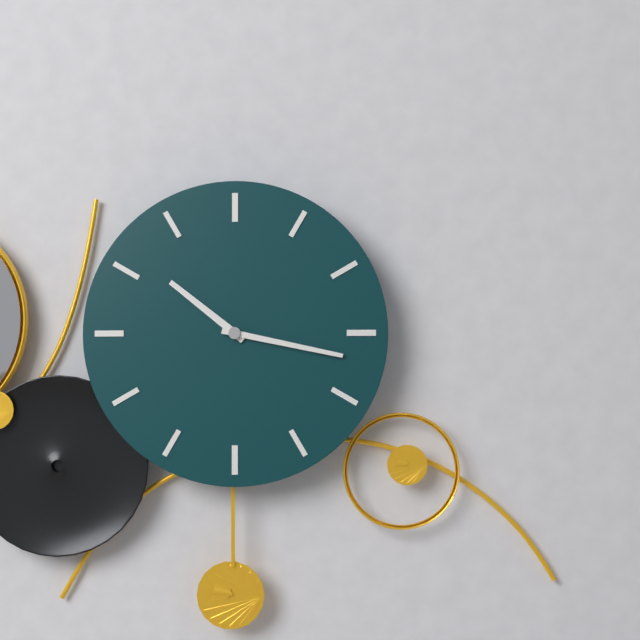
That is 10h17
